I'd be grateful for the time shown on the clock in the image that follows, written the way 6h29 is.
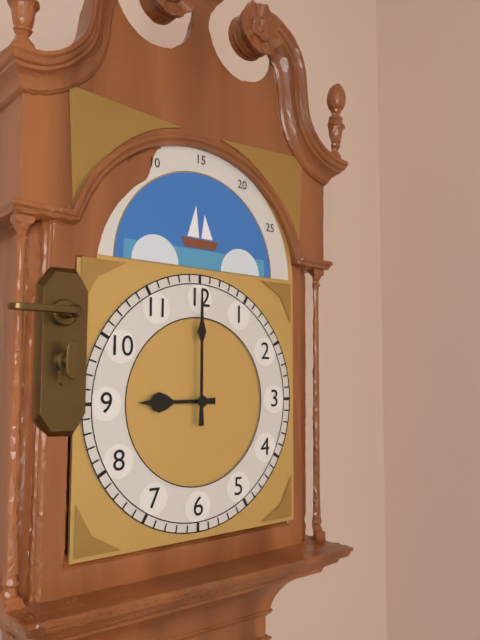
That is 9h00
